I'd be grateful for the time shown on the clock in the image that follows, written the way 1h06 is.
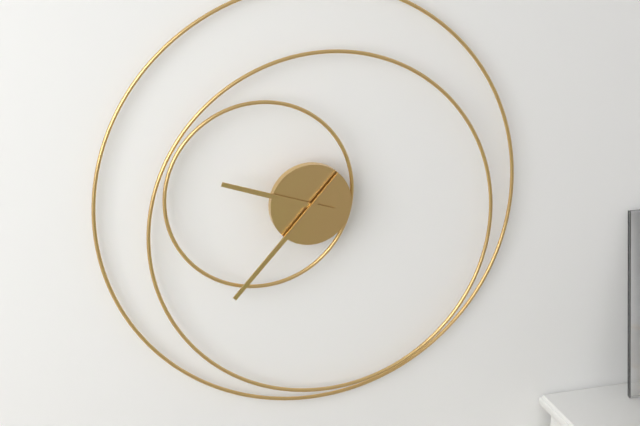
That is 9h37
